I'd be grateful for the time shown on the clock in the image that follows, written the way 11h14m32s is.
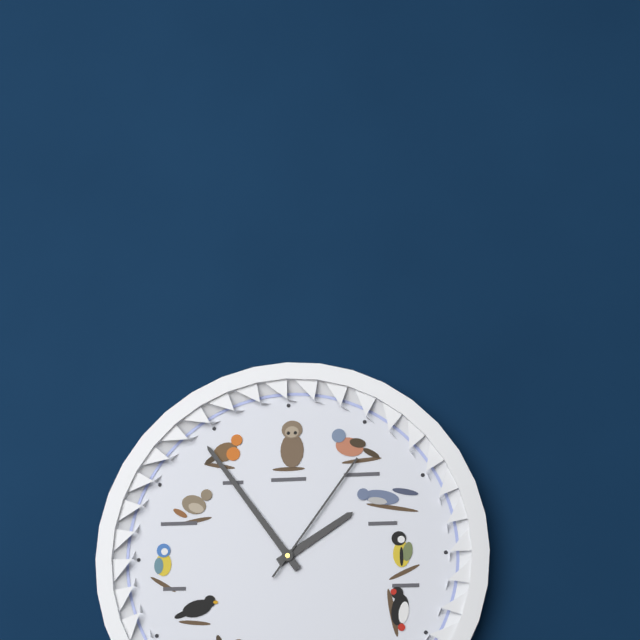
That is 1h54m06s
